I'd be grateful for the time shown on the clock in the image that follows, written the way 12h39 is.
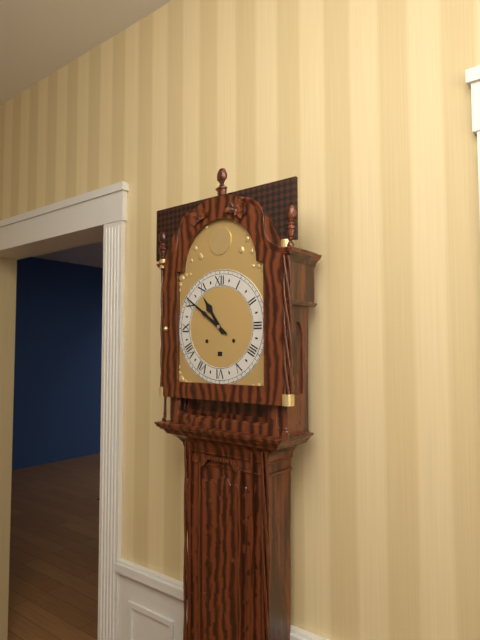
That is 10h51
